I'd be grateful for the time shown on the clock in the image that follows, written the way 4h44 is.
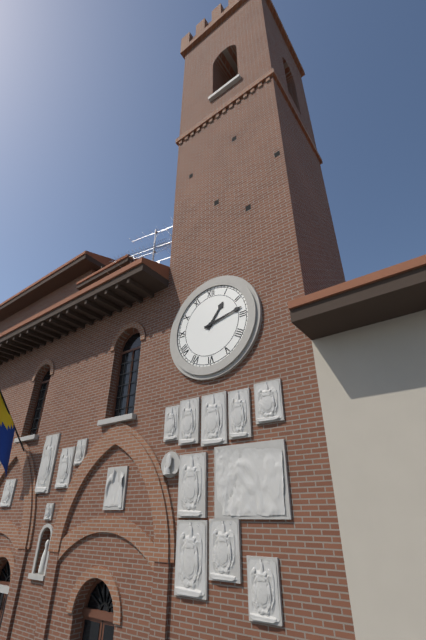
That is 1h13
